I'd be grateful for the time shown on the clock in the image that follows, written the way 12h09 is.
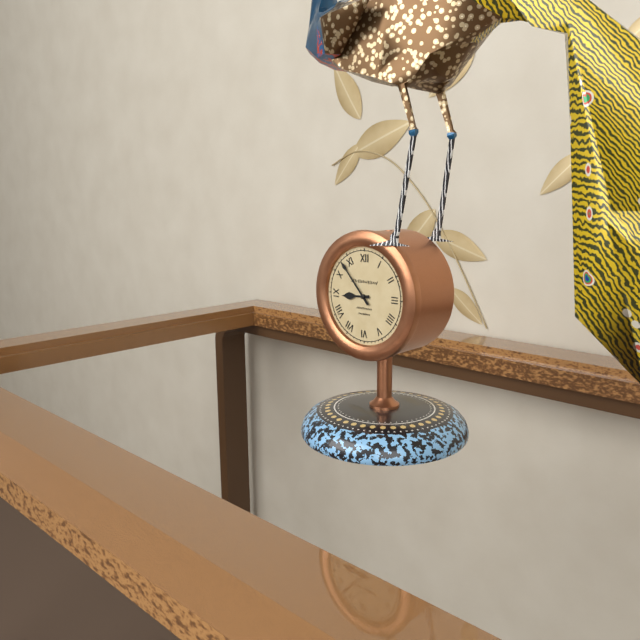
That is 8h53
